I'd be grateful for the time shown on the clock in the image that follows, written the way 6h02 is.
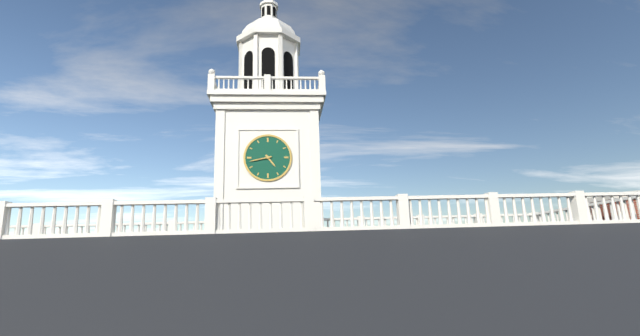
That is 4h43
